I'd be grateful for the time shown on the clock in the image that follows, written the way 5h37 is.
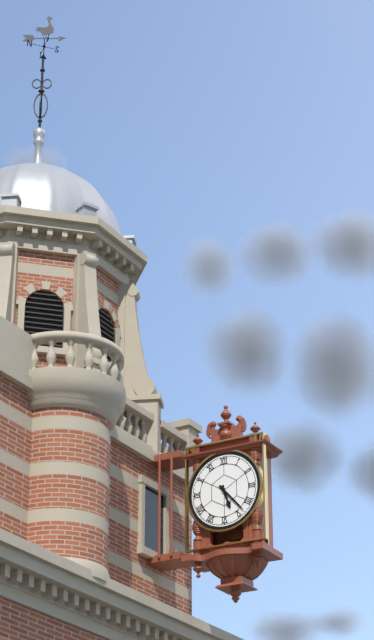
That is 5h23
